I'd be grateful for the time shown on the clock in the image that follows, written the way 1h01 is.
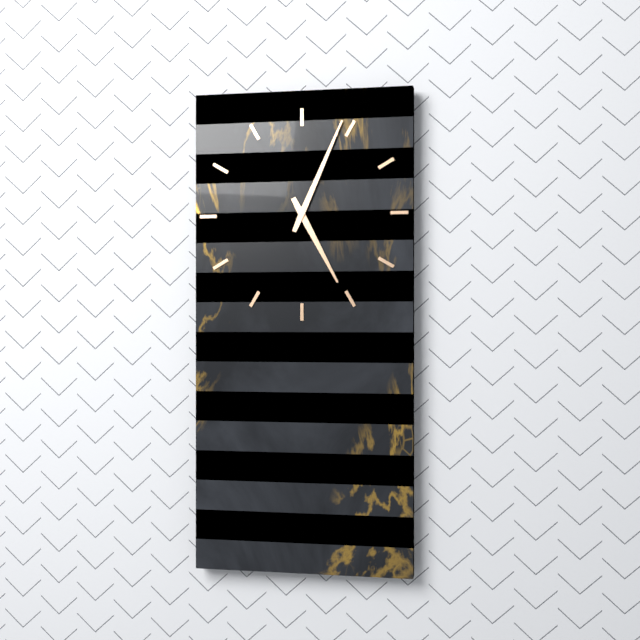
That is 5h04
